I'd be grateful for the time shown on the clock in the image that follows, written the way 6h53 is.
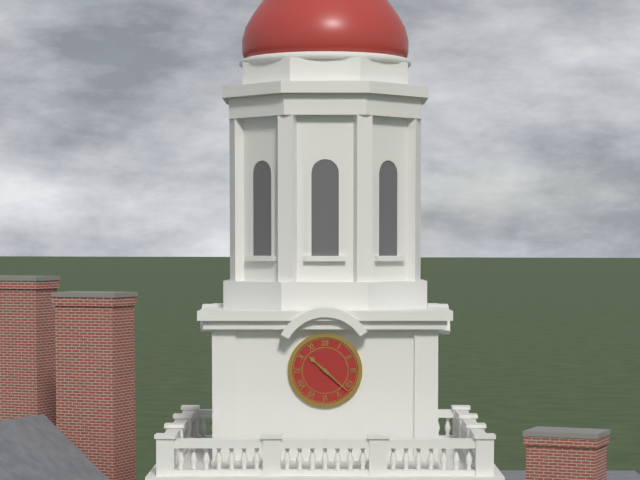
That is 10h22
